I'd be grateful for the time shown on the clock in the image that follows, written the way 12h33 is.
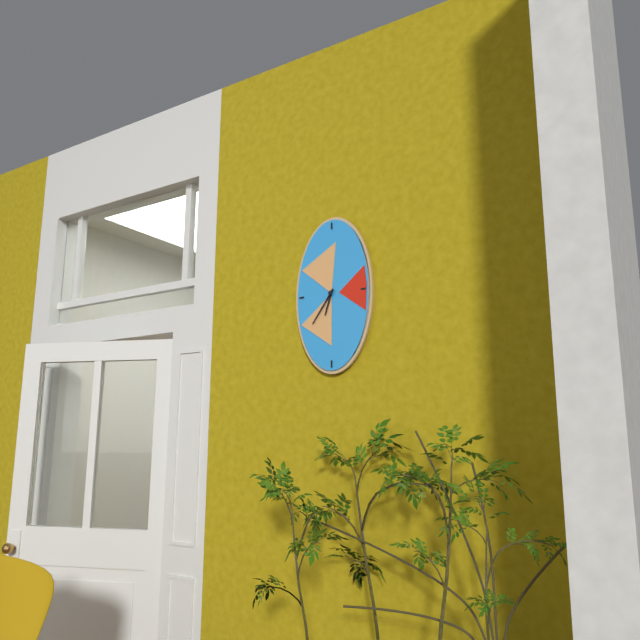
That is 6h36
